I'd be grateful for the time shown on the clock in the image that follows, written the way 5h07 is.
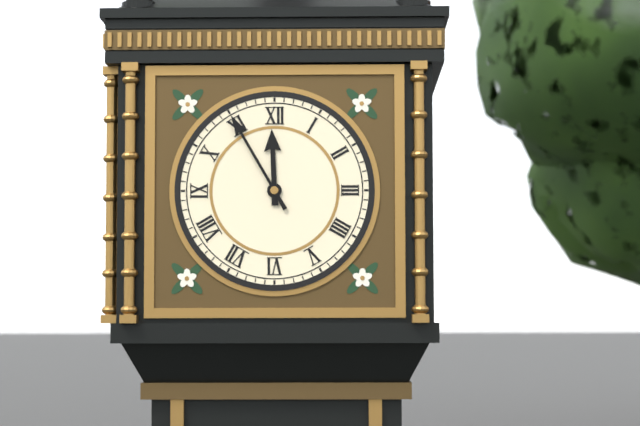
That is 11h55
